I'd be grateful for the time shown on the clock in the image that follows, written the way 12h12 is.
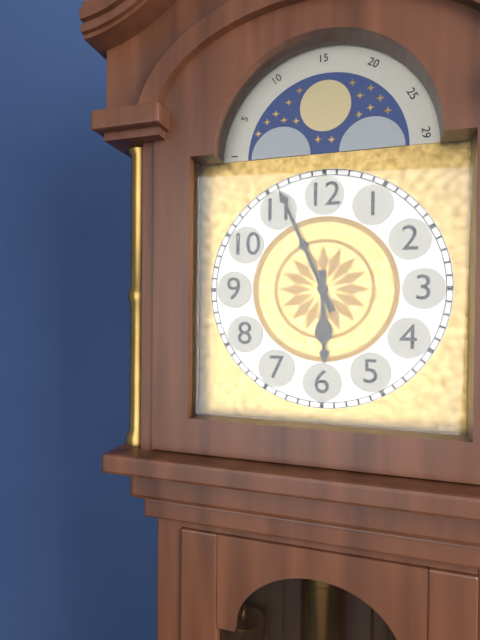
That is 5h56
